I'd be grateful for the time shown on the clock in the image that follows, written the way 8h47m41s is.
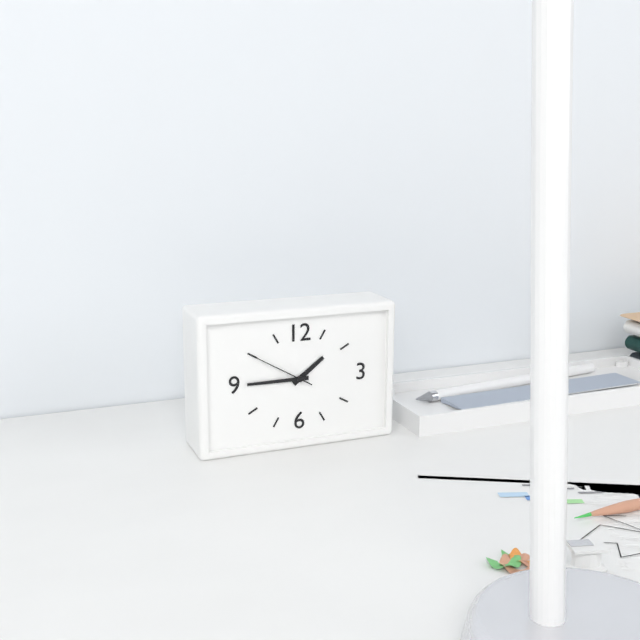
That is 1h45m50s
